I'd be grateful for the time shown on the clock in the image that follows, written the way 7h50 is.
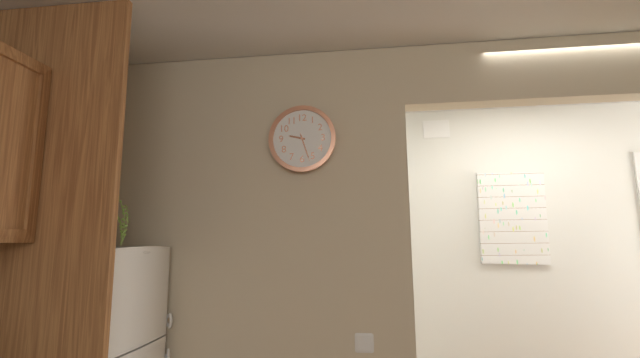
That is 9h27
